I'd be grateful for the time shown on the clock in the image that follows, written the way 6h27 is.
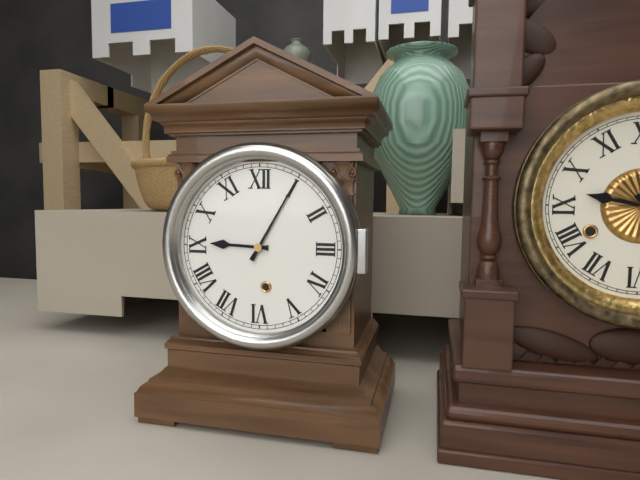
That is 9h05
